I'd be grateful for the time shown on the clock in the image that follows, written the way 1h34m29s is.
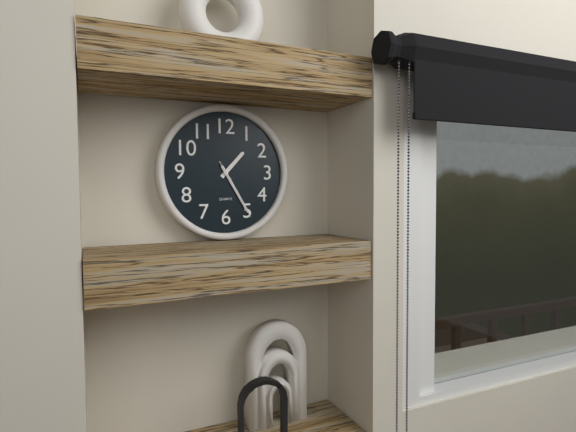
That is 1h25m25s
